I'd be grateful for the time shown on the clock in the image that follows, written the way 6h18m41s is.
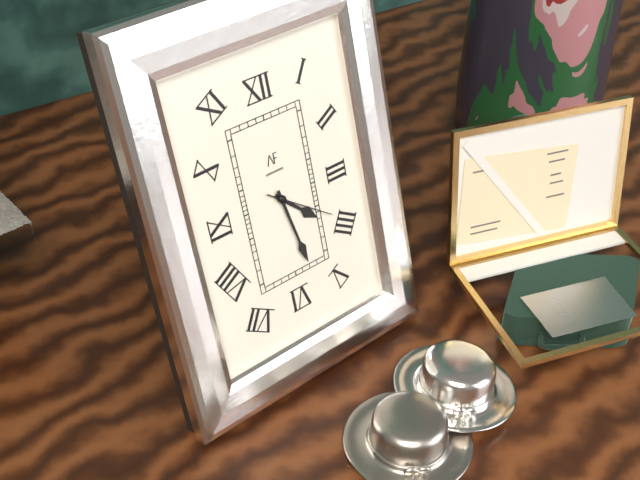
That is 4h28m21s
